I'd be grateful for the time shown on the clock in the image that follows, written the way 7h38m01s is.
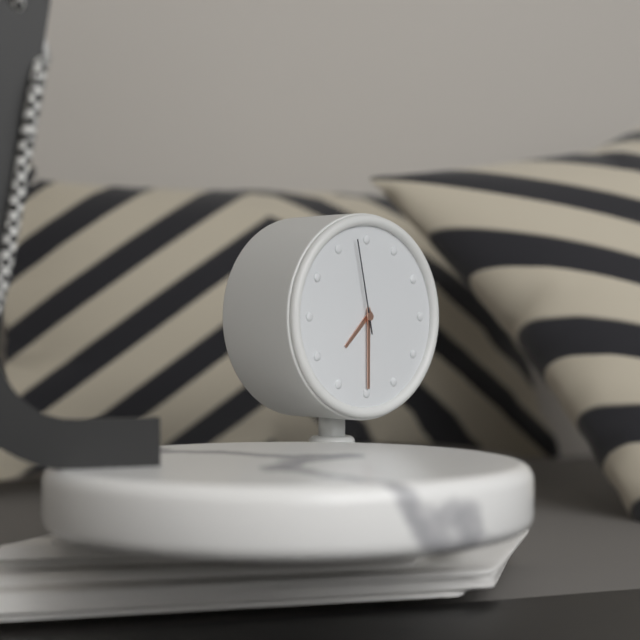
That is 7h30m58s
